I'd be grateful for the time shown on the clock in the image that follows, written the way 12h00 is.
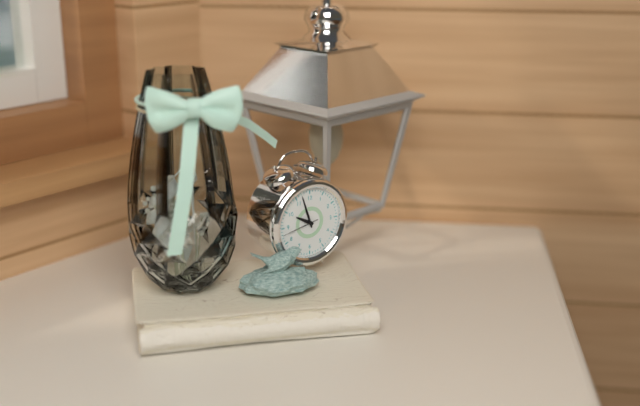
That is 9h57
